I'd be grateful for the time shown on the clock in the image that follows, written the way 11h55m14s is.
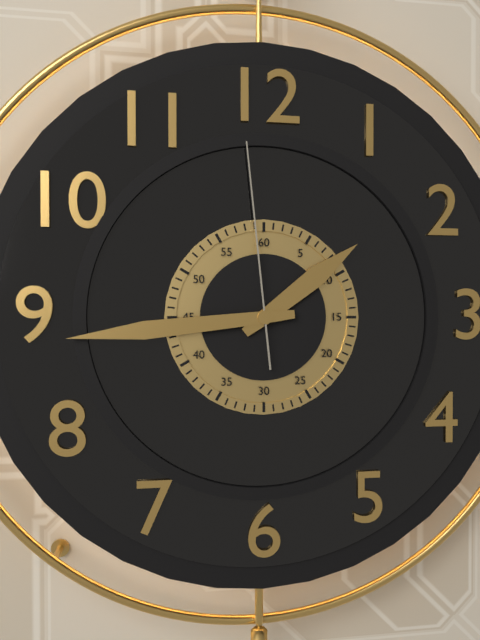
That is 1h44m59s
